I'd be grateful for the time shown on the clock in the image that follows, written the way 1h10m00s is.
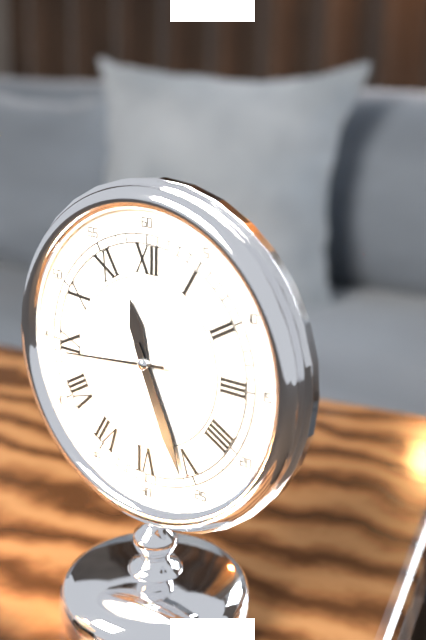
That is 11h26m44s
